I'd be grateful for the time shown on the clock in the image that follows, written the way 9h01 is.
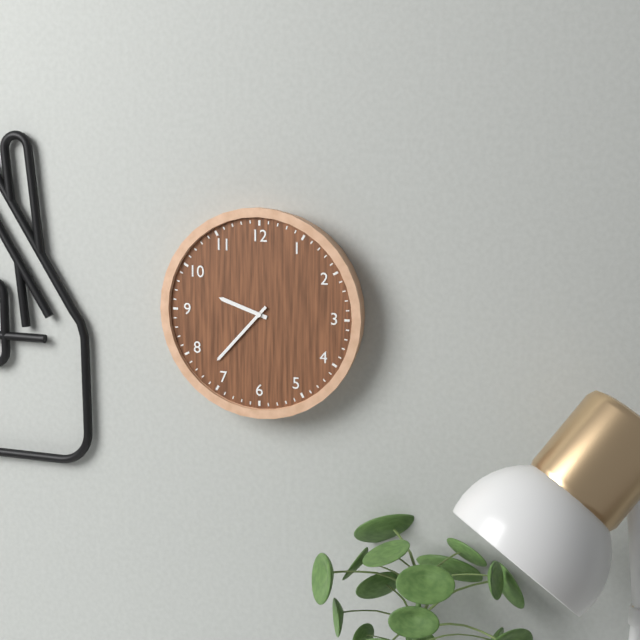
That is 9h37
